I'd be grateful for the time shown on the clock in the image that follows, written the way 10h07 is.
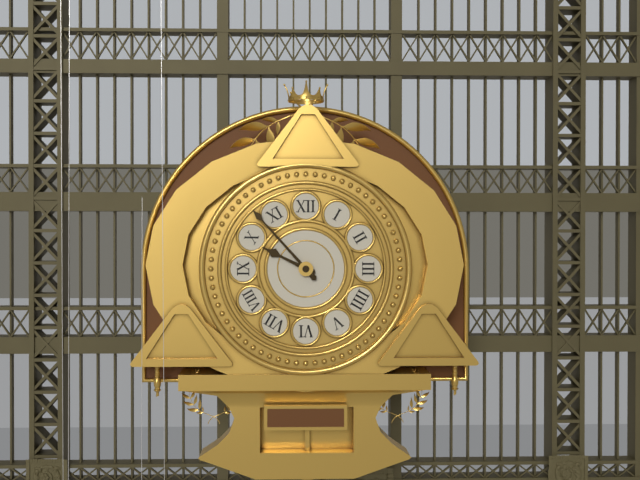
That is 9h53
